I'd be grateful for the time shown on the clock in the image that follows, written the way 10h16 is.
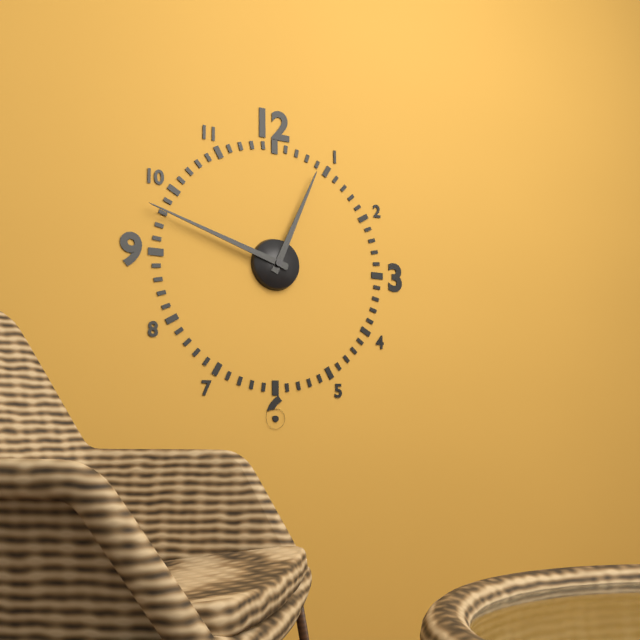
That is 12h48
